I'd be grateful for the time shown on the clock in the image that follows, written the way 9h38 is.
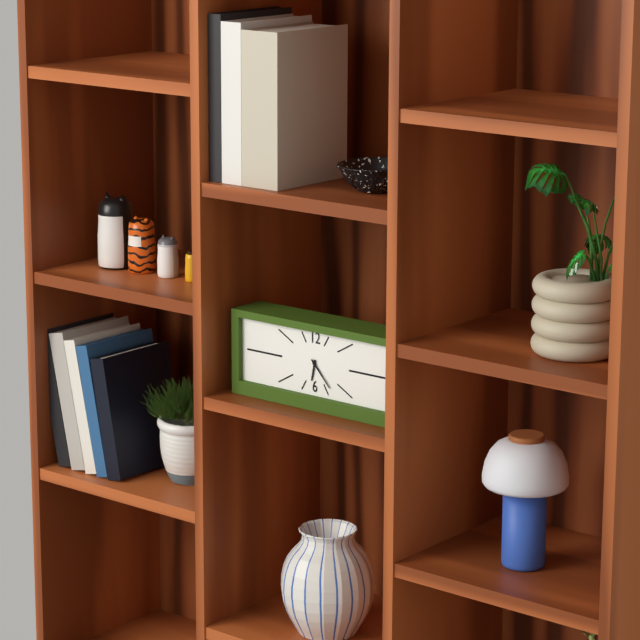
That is 6h23
